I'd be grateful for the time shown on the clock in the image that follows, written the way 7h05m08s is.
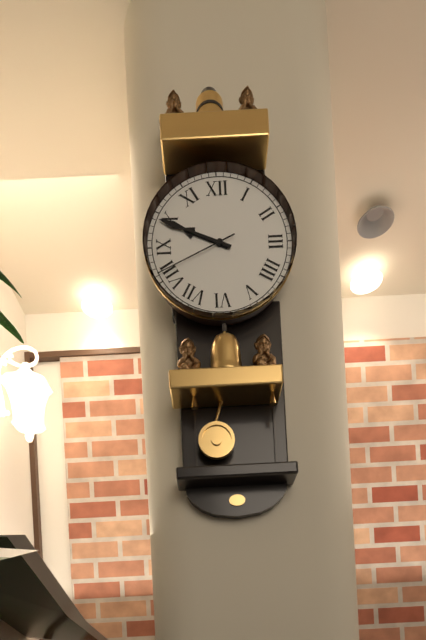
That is 9h49m41s
